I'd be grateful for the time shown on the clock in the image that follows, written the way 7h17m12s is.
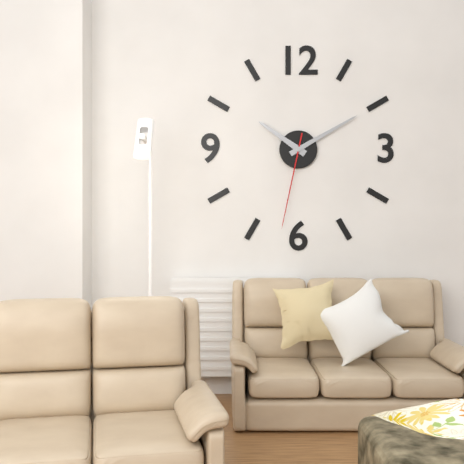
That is 10h10m32s
